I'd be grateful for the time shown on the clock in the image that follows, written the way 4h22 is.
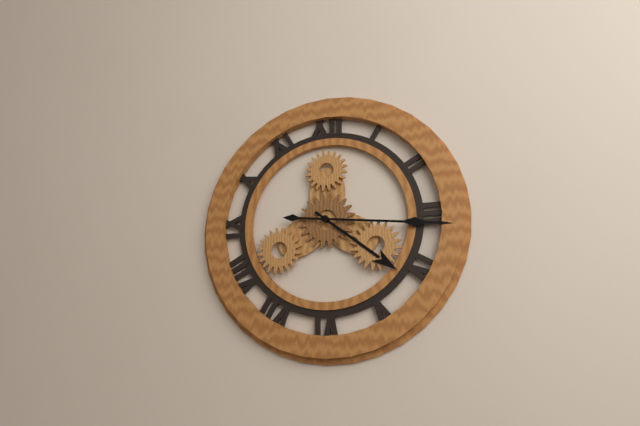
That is 4h16
